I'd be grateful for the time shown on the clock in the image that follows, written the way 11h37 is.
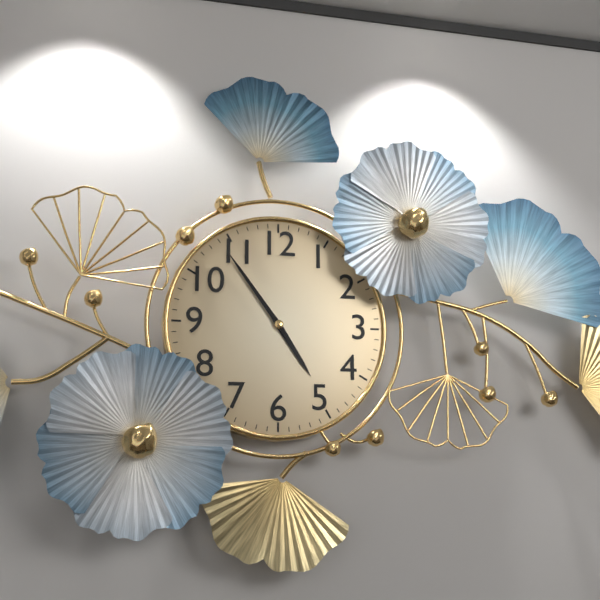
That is 4h54
